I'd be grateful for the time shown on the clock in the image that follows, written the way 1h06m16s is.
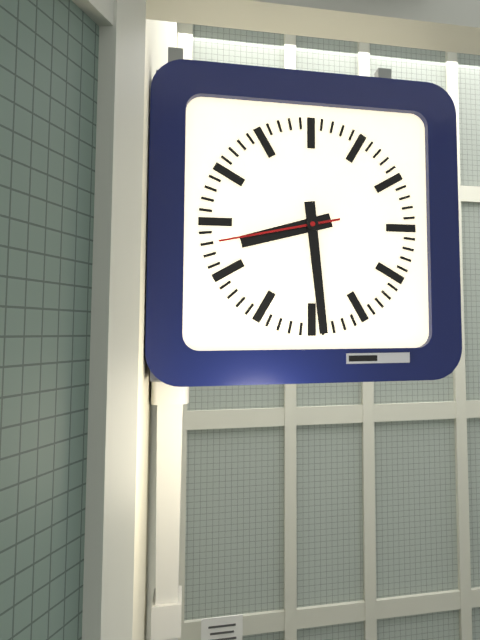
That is 8h29m43s
